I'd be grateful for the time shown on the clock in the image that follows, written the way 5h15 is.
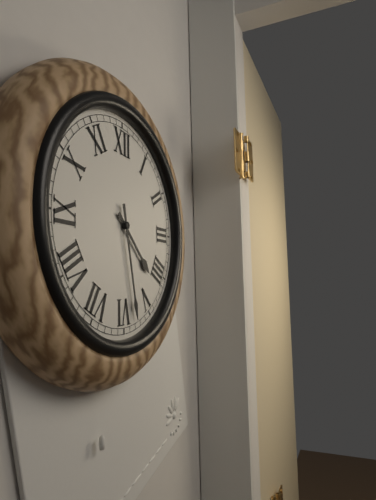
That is 4h28
